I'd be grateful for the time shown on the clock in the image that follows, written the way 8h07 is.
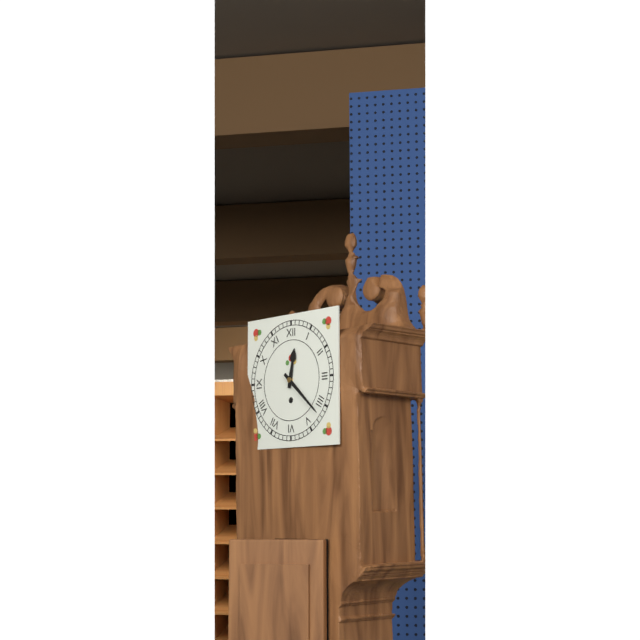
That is 12h22
